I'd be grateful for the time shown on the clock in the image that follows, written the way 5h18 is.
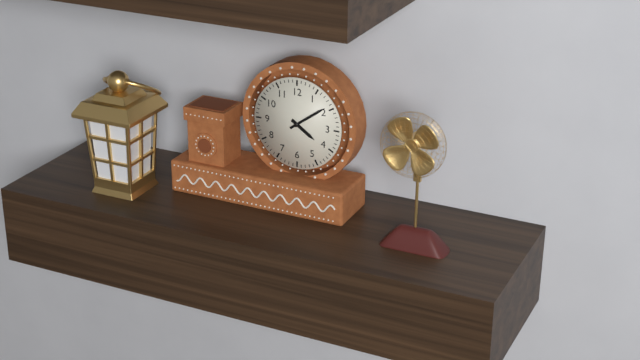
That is 4h09
